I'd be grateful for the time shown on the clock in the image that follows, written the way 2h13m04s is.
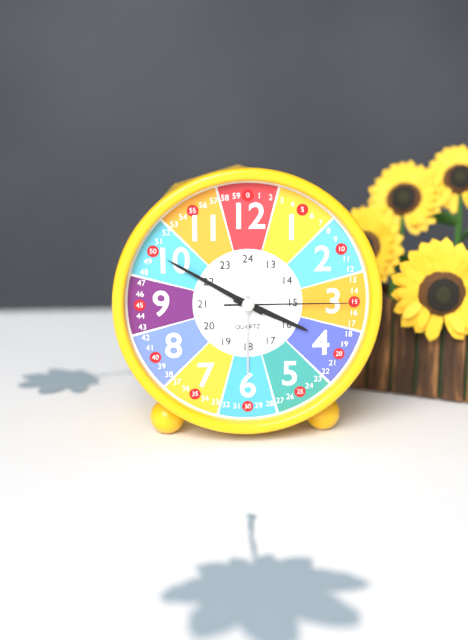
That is 3h50m15s
